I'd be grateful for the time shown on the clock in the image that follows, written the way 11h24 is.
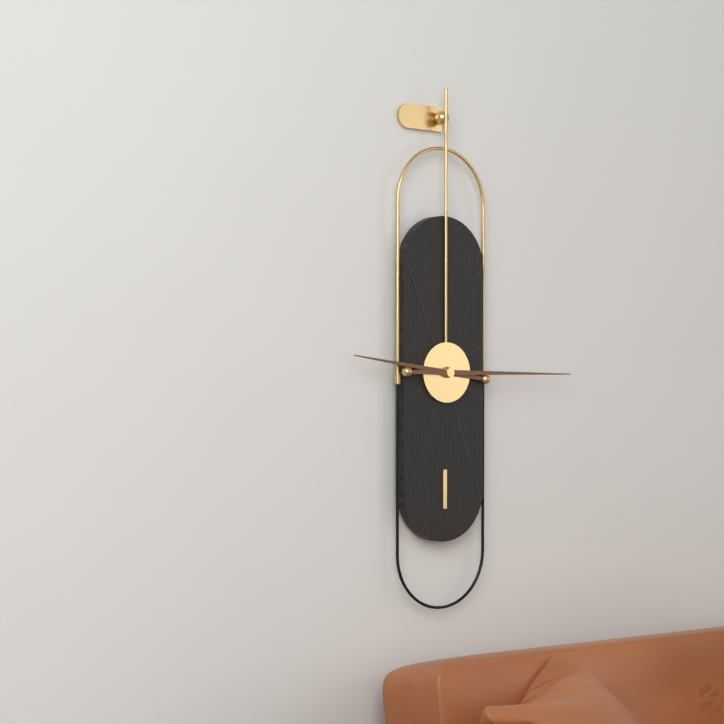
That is 9h15
